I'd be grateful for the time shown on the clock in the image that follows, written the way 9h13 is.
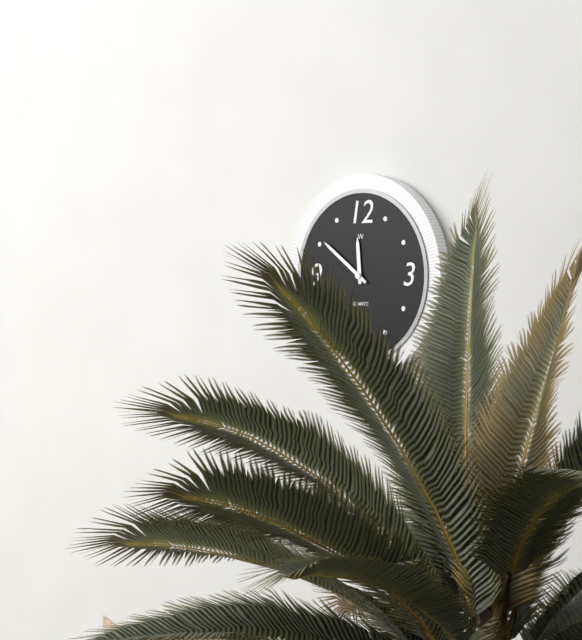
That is 11h51
